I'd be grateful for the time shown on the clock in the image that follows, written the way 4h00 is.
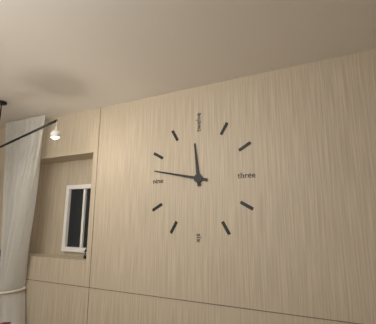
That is 11h47
